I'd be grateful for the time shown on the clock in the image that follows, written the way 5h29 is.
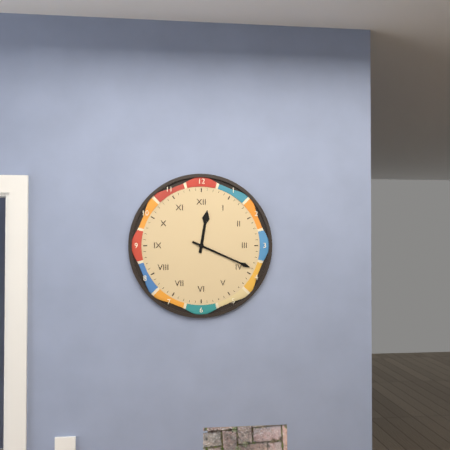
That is 12h19
